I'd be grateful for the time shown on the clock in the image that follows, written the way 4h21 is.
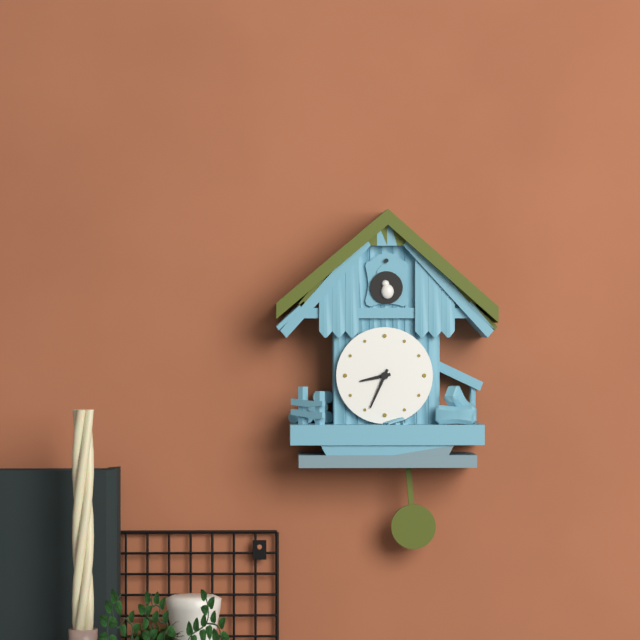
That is 8h34
